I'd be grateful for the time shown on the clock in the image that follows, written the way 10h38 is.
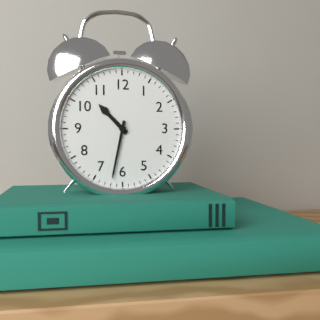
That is 10h32
